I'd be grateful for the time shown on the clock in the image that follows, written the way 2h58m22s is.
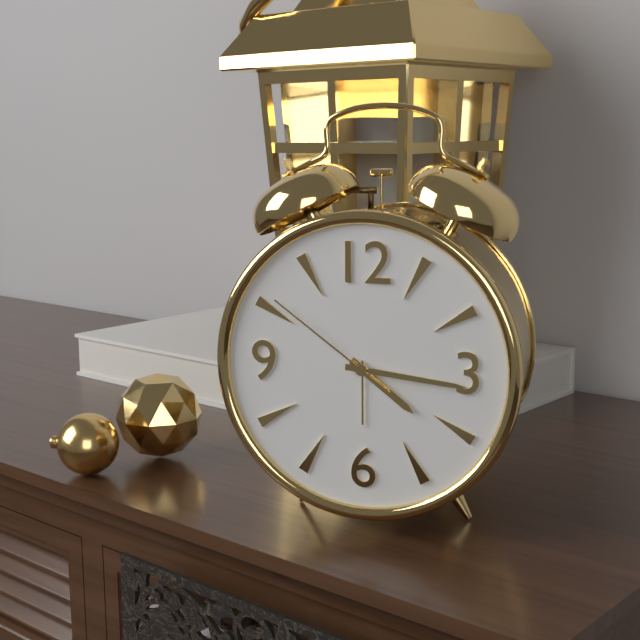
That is 4h16m51s
